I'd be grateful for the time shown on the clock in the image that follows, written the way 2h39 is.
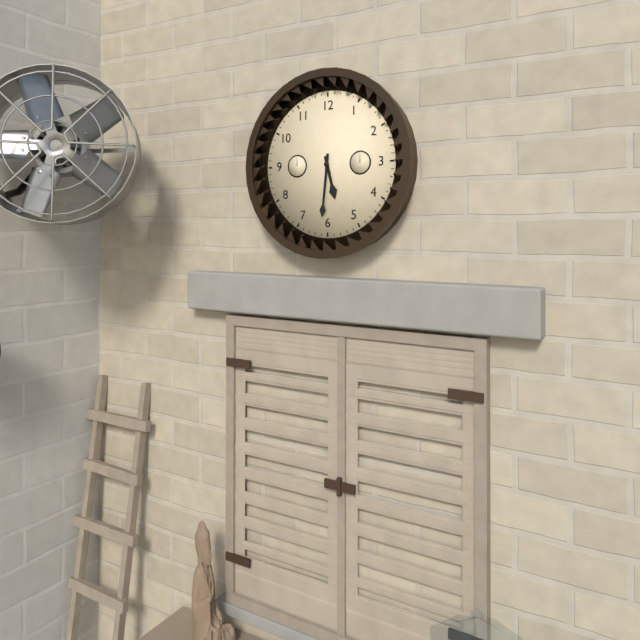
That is 5h31
